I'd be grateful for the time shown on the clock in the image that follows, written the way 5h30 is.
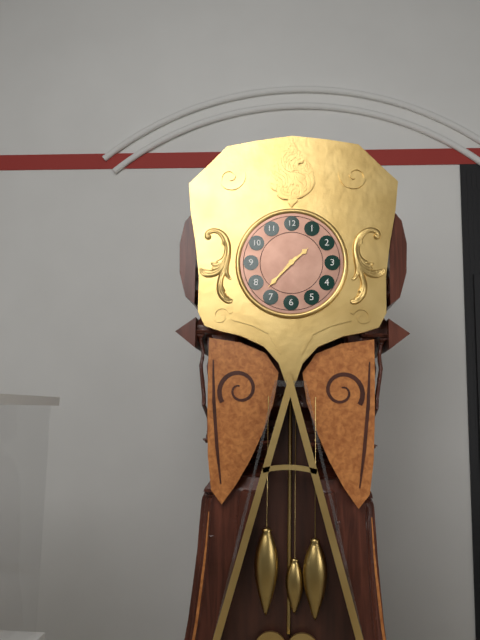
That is 1h37
